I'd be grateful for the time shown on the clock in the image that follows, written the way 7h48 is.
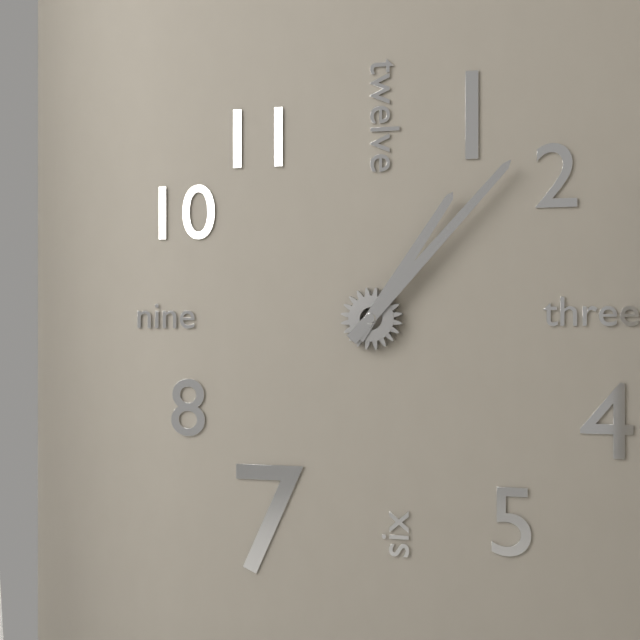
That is 1h07
